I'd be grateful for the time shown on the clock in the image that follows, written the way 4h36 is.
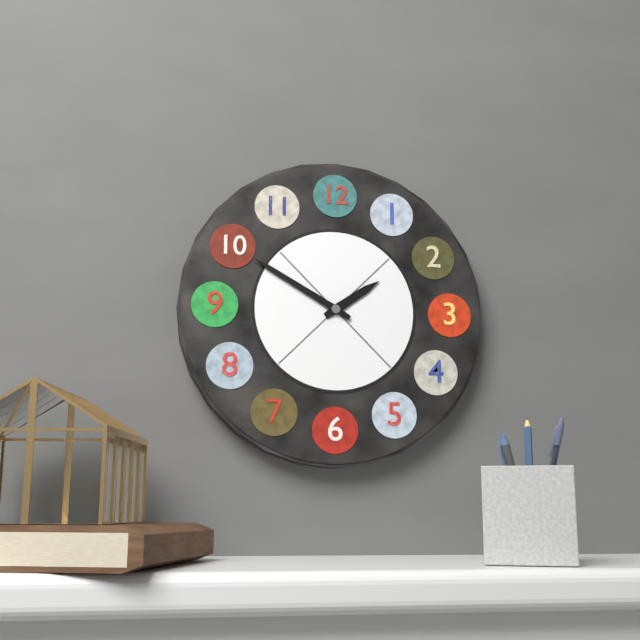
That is 1h50
